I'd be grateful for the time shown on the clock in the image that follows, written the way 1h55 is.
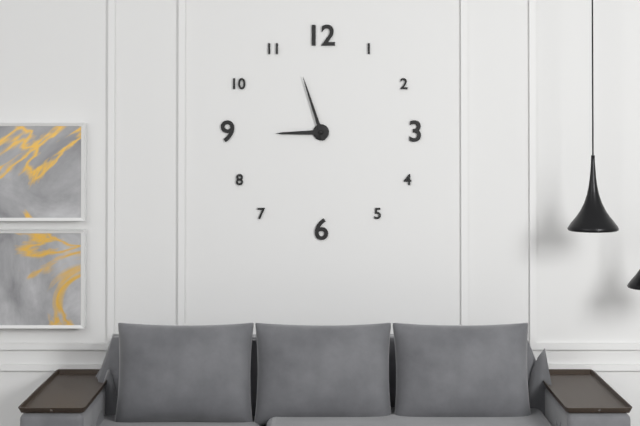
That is 8h57
